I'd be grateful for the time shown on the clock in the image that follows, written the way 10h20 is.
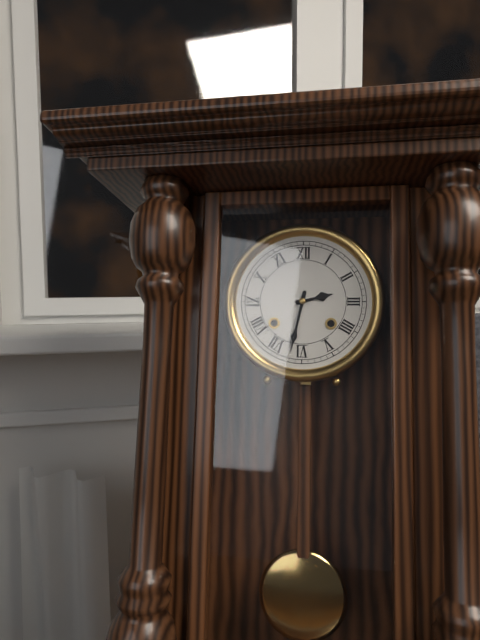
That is 2h32
